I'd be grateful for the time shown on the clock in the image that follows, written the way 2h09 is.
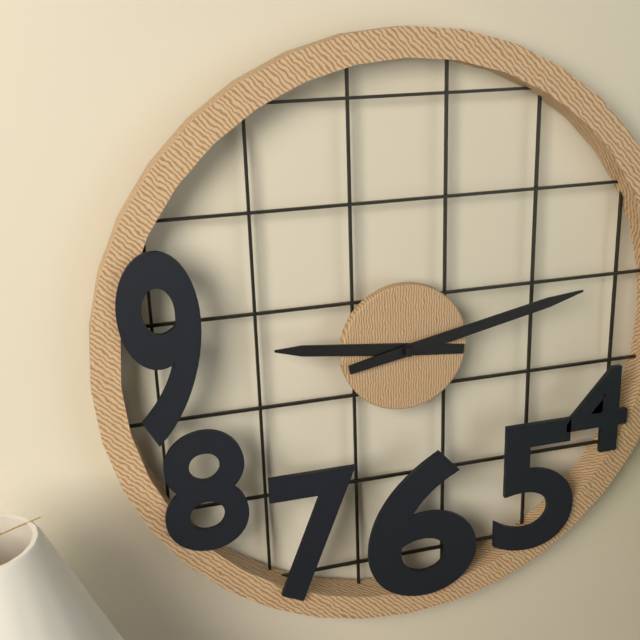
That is 9h13
